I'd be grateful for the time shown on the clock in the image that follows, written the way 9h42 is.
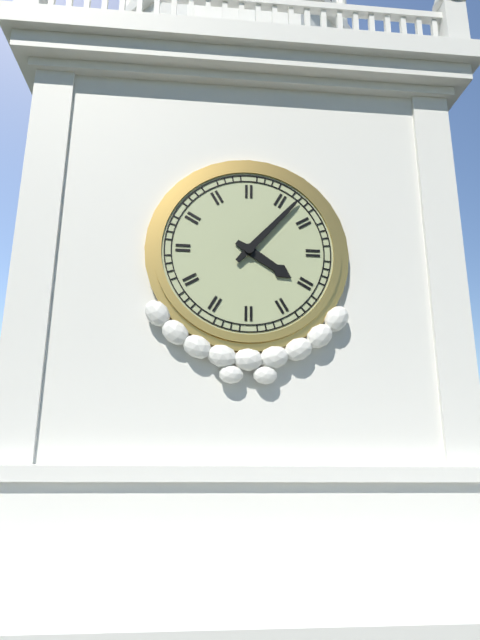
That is 4h07
